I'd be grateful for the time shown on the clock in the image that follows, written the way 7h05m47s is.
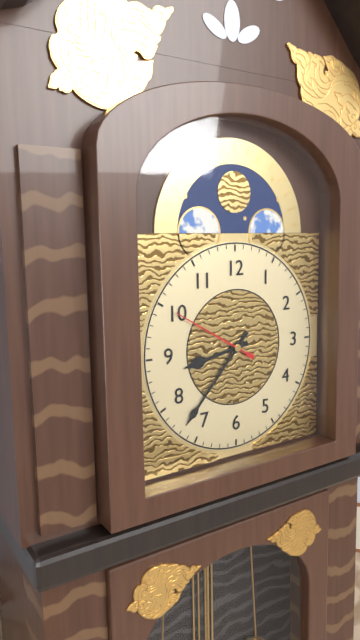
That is 8h37m50s
